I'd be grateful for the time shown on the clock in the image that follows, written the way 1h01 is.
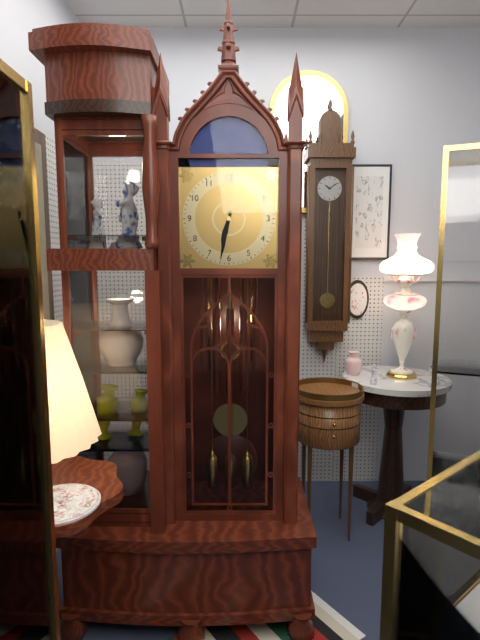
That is 6h32
